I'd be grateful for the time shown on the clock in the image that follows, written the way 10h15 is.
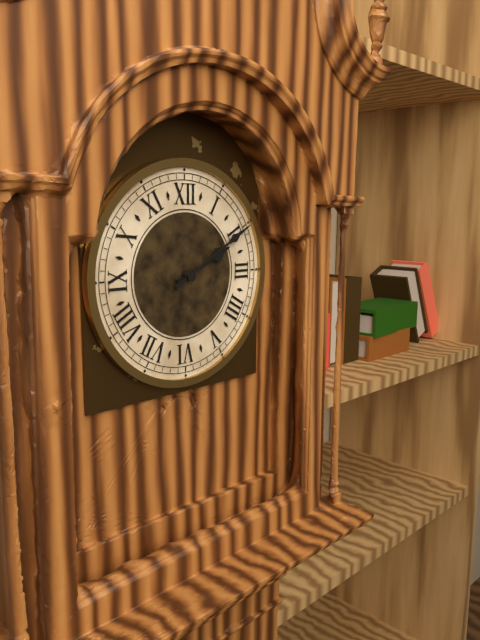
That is 2h10
